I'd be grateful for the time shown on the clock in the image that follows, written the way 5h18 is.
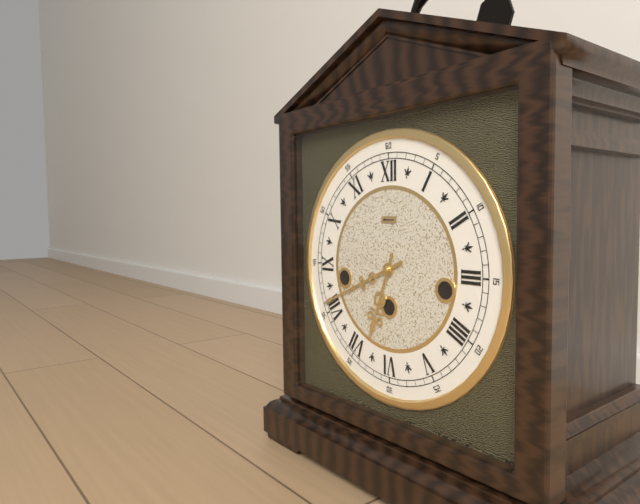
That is 6h41
